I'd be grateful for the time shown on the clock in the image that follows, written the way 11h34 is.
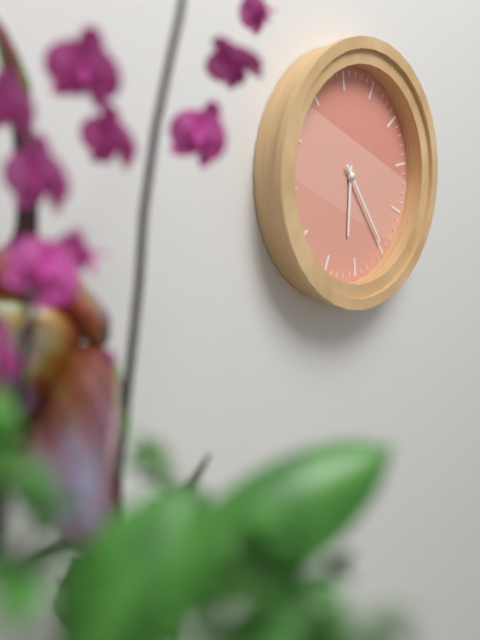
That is 5h20
